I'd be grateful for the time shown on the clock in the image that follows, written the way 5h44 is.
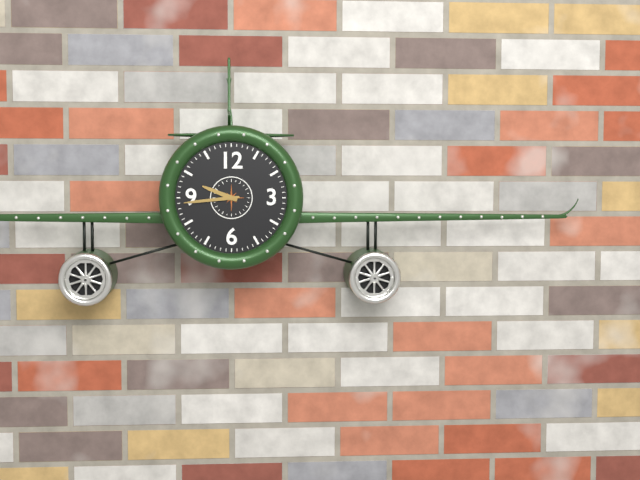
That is 9h44
